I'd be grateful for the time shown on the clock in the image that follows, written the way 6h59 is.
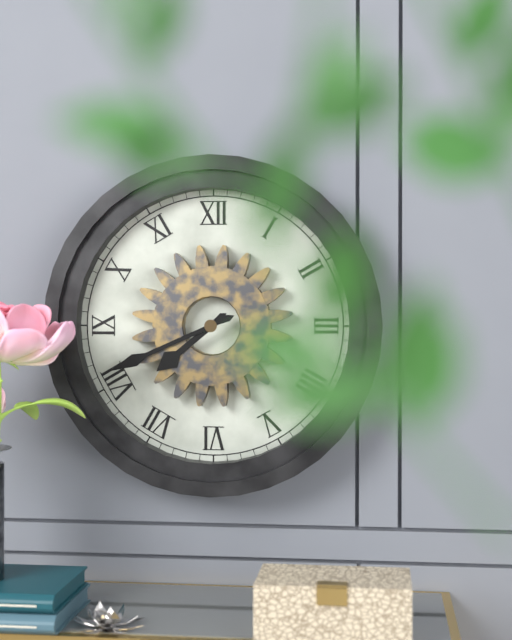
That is 7h41
